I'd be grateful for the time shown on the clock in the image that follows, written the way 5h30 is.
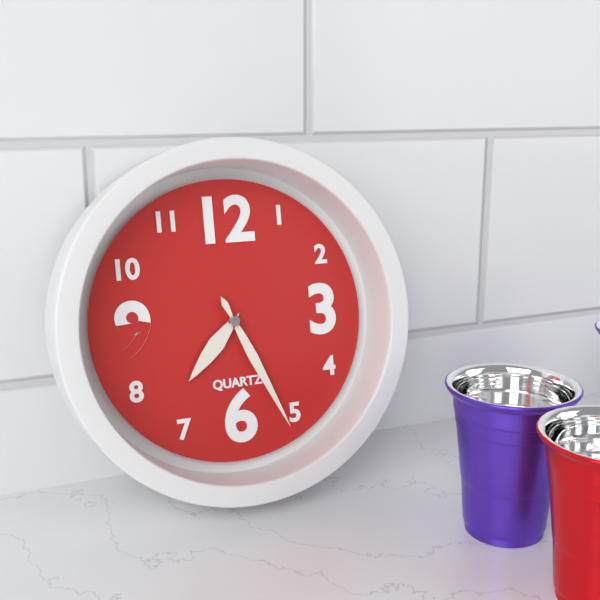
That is 7h26
